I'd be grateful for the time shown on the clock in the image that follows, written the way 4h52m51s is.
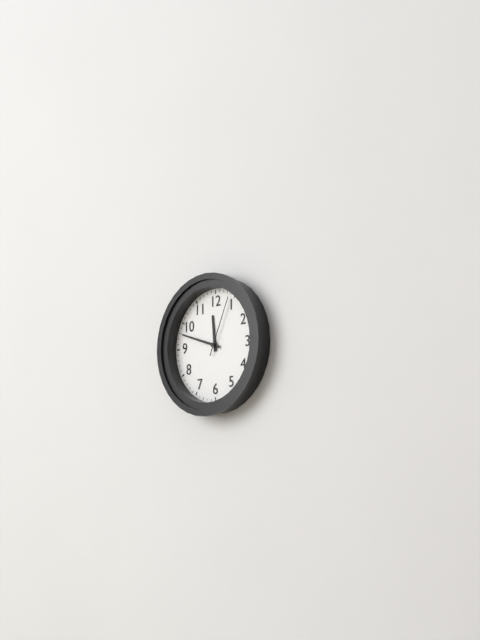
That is 11h48m04s
